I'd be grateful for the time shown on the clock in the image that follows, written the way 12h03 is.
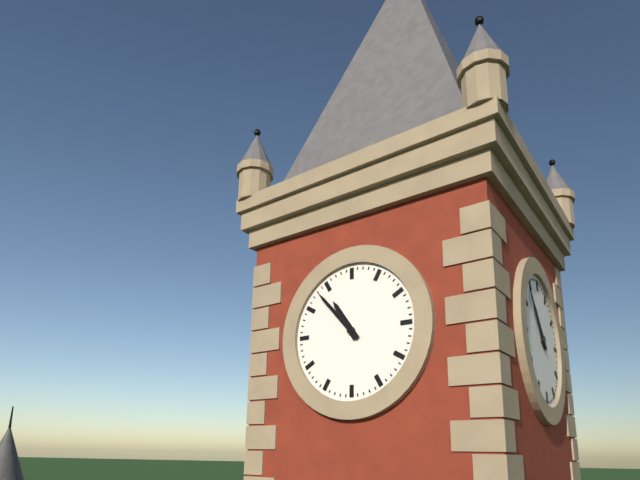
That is 10h53
